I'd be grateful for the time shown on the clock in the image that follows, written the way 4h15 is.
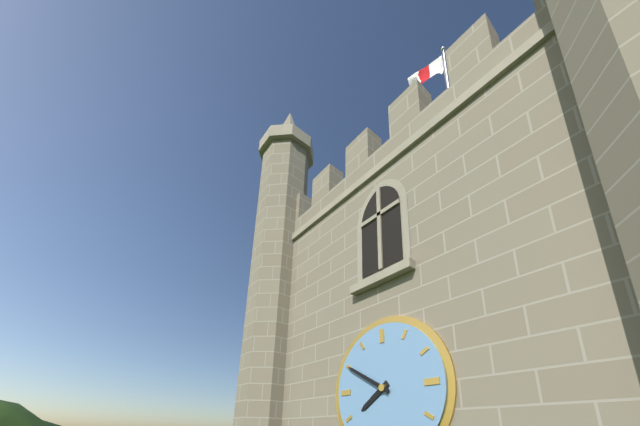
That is 7h50
